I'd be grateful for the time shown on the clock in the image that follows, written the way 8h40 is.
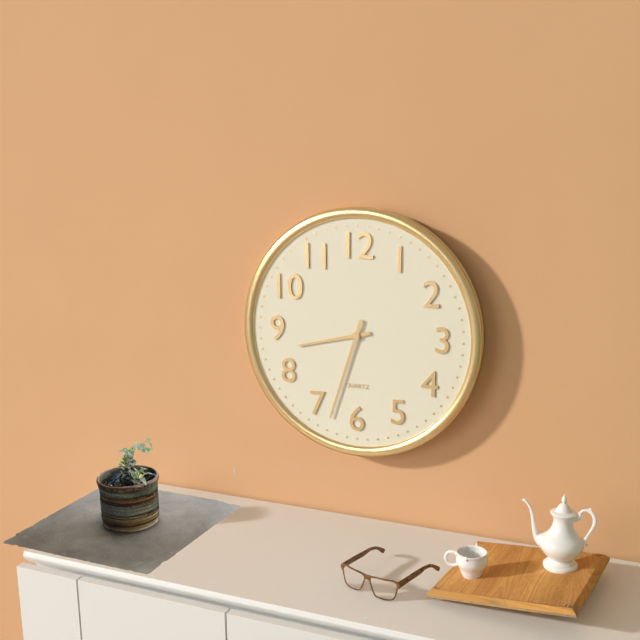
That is 8h33
